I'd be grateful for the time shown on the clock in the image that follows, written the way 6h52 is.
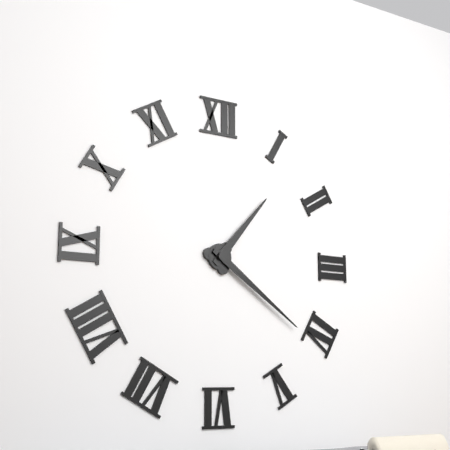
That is 1h21
